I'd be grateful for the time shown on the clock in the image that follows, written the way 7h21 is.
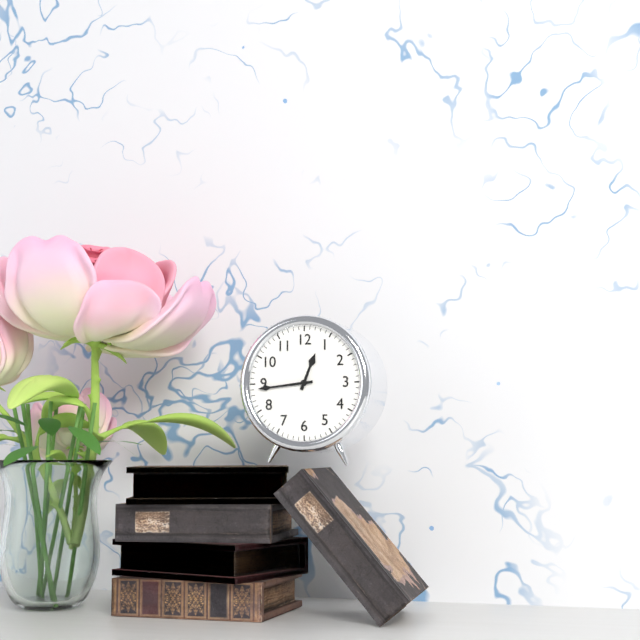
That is 12h44
